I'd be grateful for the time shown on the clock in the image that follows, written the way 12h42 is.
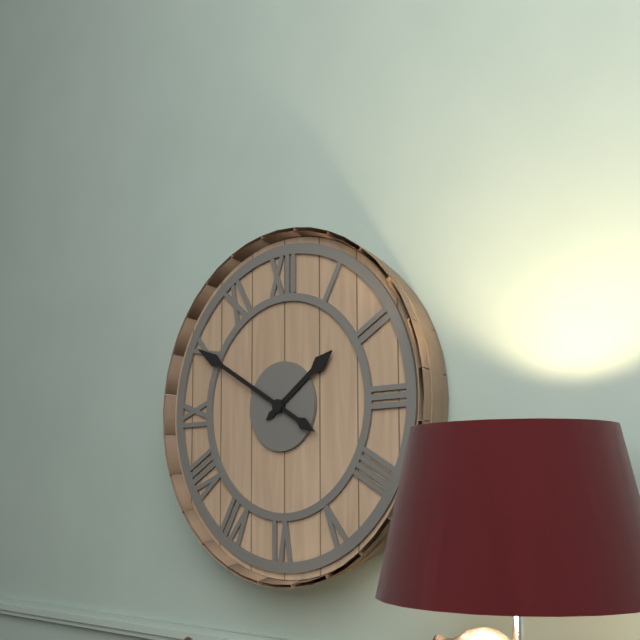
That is 1h50
